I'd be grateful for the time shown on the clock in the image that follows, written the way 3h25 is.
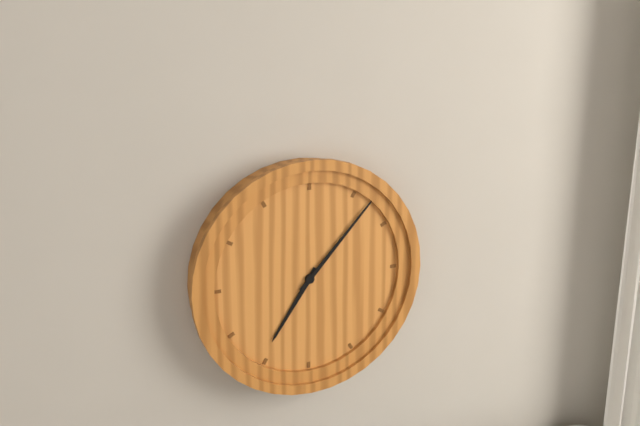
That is 7h07
